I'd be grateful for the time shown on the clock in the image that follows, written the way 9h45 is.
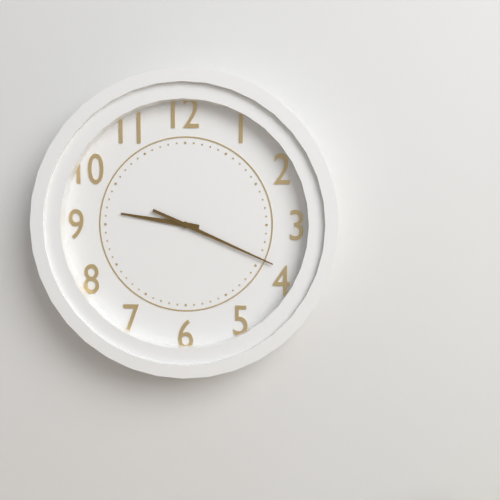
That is 9h19
